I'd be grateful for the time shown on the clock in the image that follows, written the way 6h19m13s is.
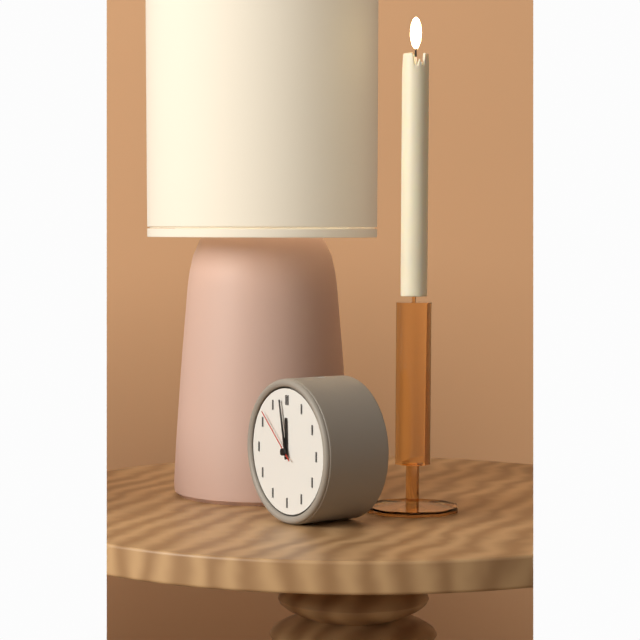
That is 11h58m52s
